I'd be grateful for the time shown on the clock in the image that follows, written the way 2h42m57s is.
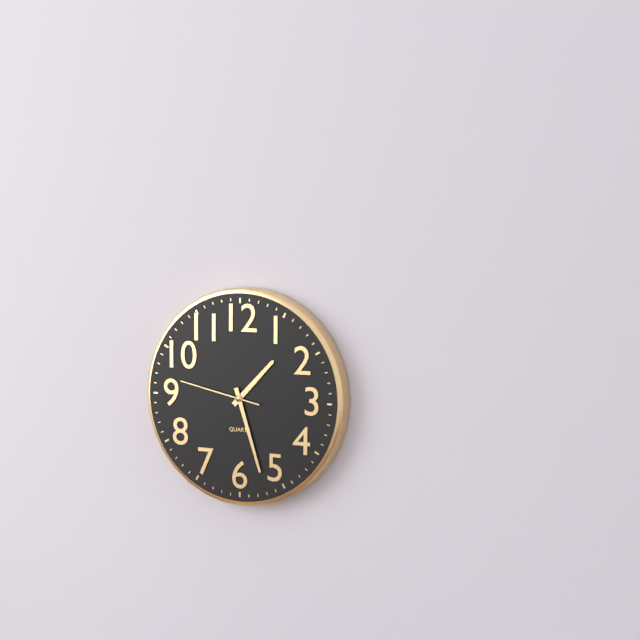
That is 1h27m47s
